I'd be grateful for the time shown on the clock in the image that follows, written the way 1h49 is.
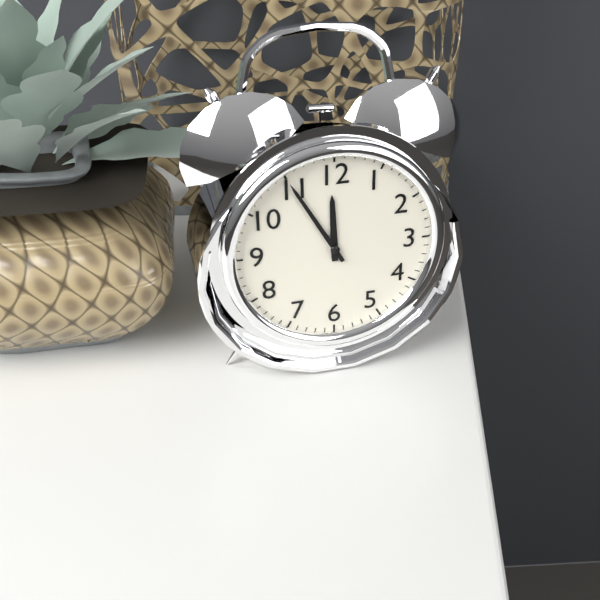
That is 11h55
